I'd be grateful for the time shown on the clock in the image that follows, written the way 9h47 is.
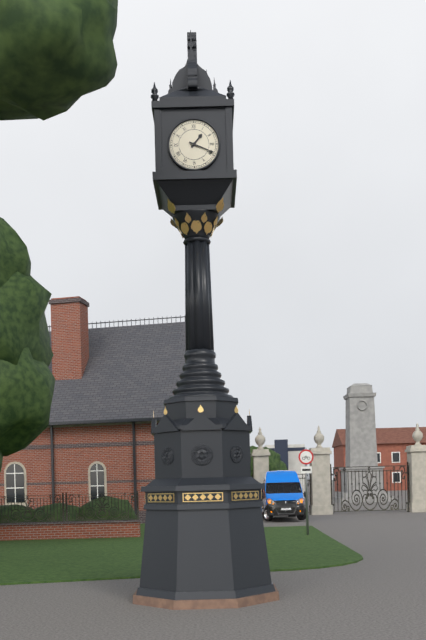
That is 1h19
